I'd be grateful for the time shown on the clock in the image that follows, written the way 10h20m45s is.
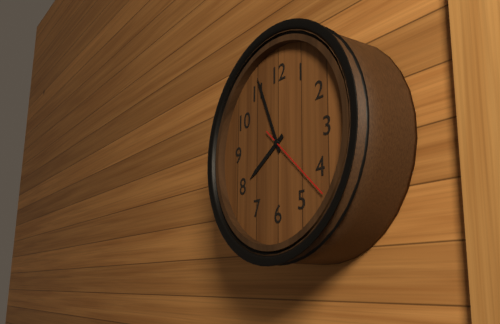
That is 7h56m22s
